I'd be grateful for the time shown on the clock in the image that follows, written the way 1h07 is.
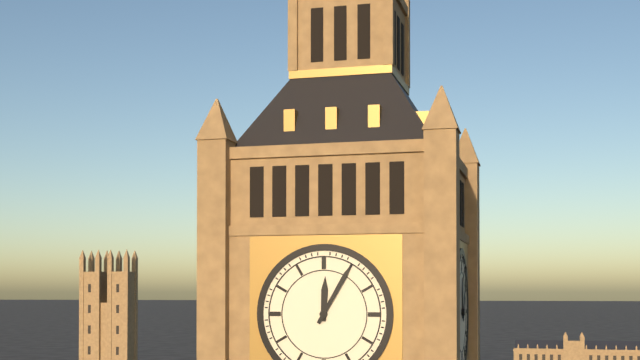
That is 12h05
